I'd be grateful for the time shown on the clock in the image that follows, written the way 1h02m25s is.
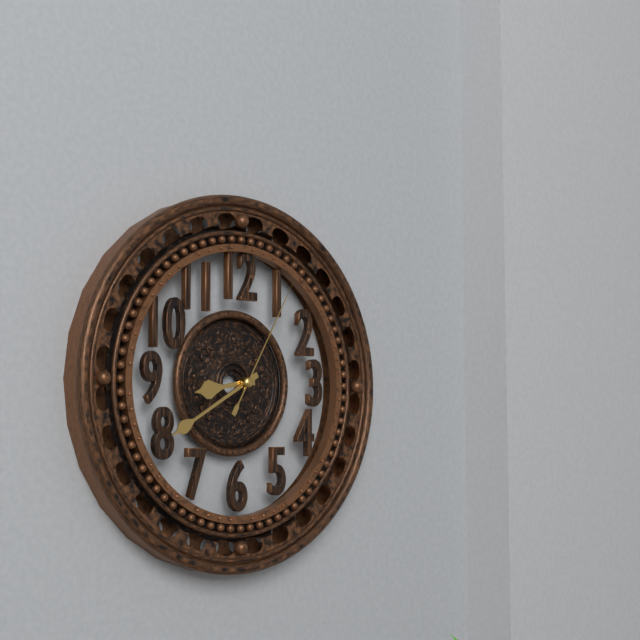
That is 8h40m05s
